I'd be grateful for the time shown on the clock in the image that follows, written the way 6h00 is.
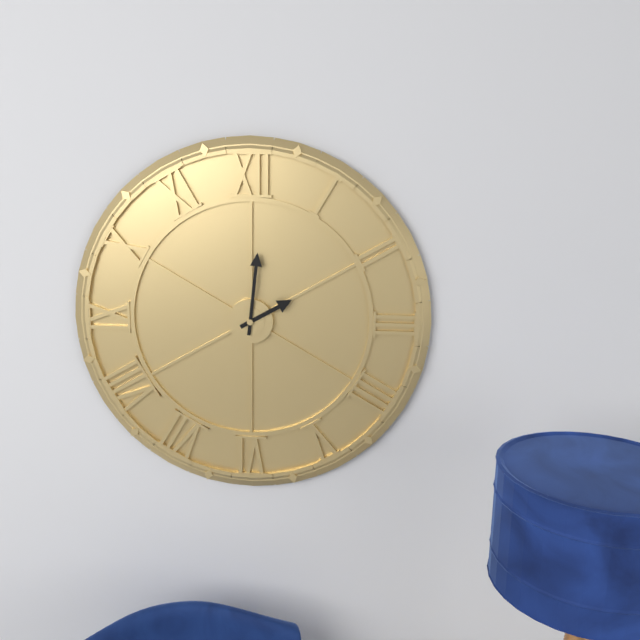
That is 2h01
